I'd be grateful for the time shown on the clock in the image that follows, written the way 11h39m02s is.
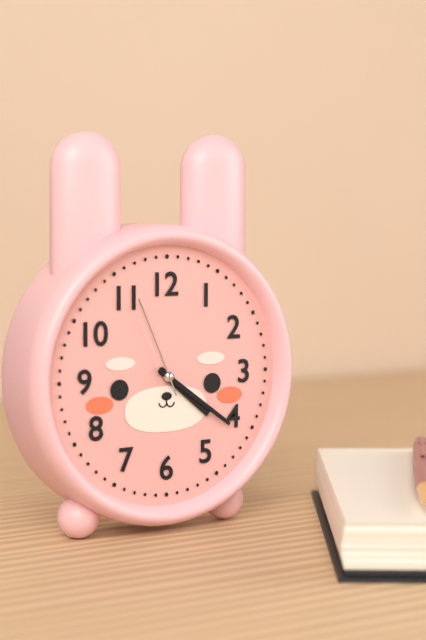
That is 4h21m56s
